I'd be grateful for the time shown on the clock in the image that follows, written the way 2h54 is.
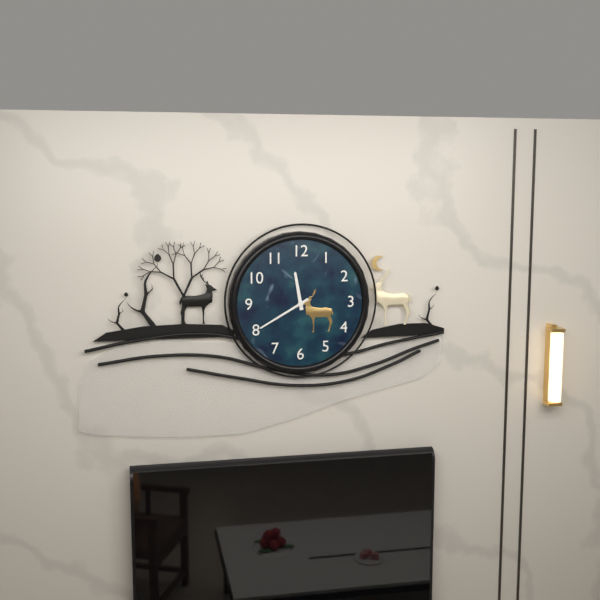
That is 11h40
